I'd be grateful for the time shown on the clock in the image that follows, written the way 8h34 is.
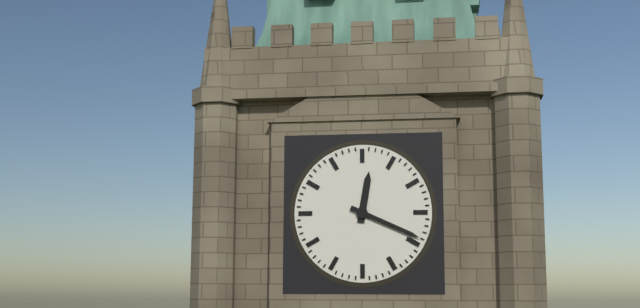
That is 12h19
